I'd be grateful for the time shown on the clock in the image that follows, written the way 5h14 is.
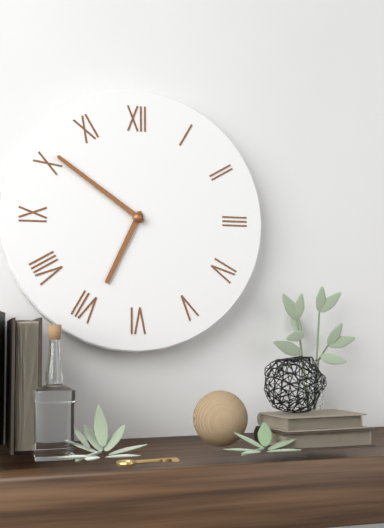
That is 6h51
